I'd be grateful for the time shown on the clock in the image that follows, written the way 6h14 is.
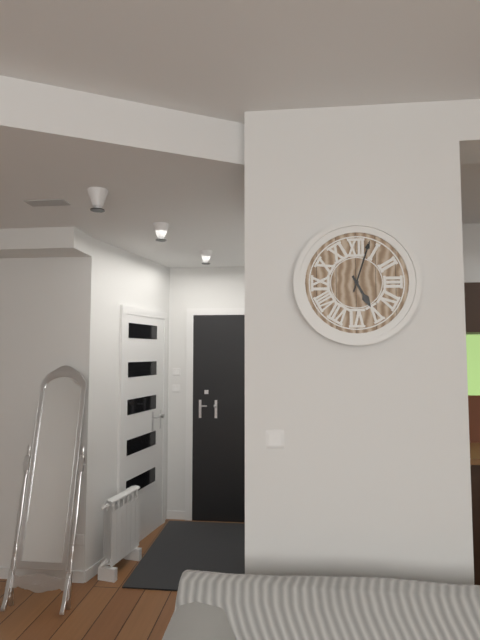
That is 5h03
